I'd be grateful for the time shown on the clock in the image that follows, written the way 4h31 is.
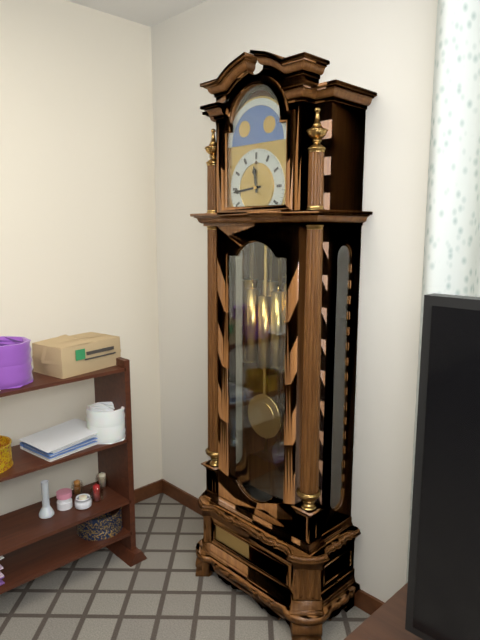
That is 11h44
